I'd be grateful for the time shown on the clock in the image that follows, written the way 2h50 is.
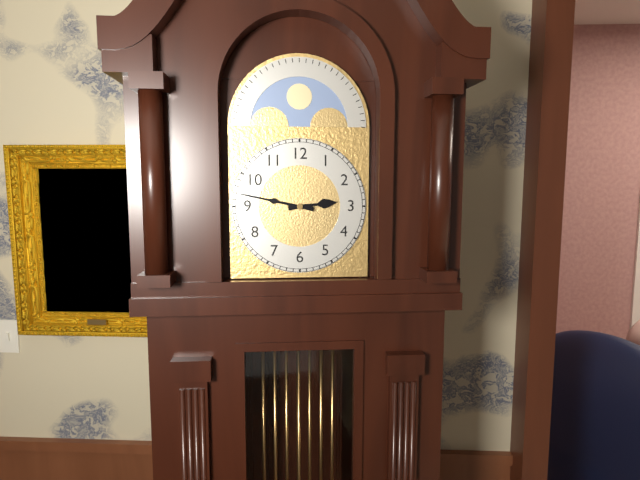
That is 2h47
